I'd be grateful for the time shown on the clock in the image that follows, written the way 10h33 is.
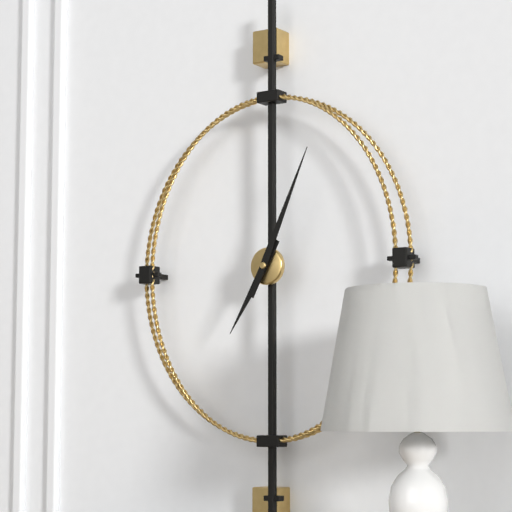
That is 7h04
